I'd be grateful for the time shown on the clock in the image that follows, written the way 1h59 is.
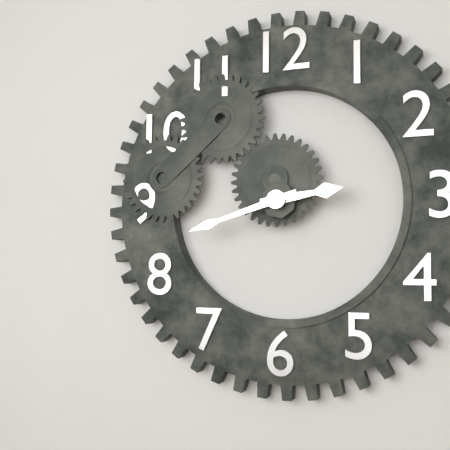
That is 2h42
